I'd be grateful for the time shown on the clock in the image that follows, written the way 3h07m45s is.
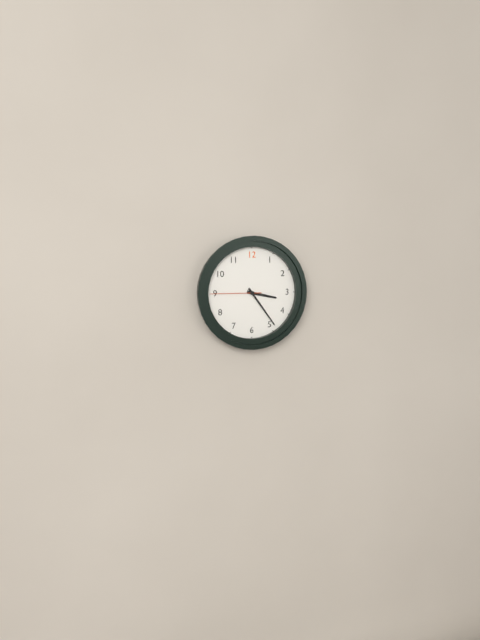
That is 3h24m45s
